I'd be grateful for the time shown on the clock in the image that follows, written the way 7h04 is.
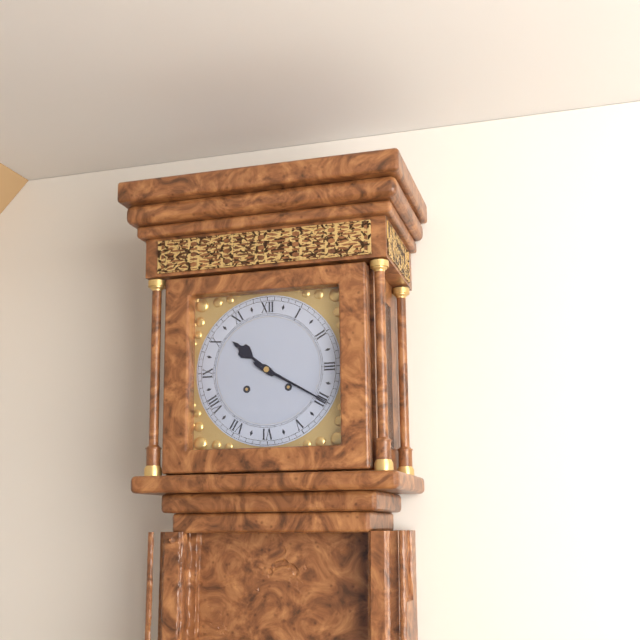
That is 10h20
